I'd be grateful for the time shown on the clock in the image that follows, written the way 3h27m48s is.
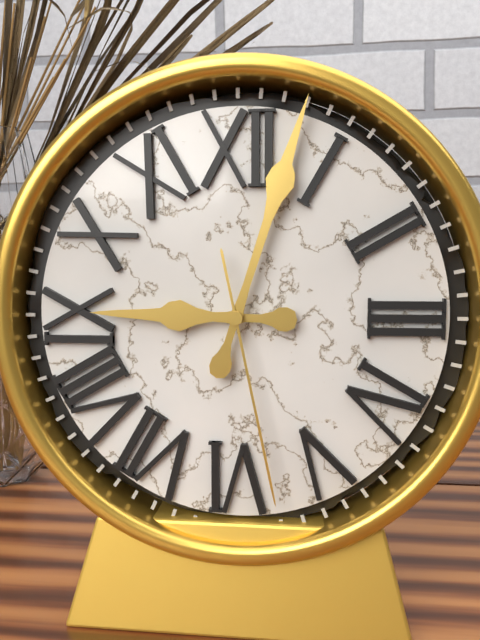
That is 9h03m28s
